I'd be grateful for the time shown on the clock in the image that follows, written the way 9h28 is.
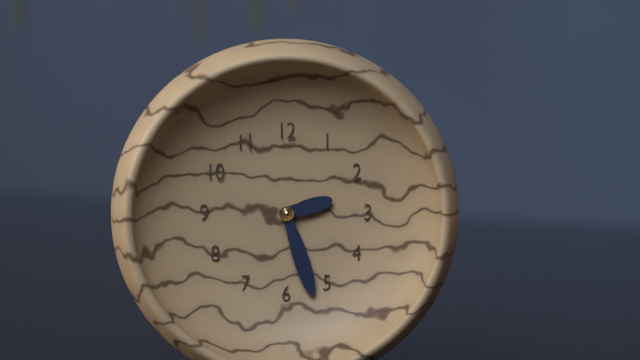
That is 2h27
